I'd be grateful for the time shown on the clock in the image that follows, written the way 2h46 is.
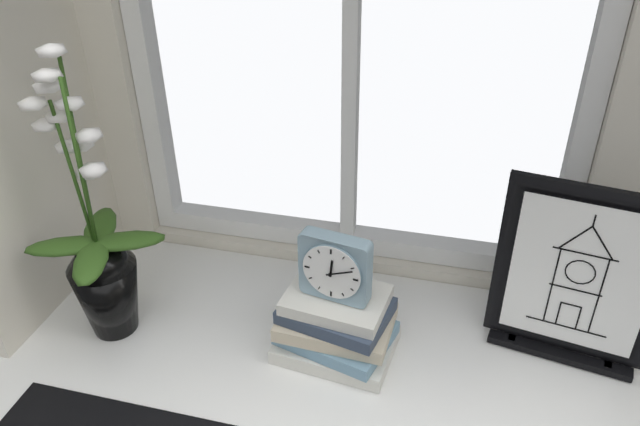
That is 12h11
